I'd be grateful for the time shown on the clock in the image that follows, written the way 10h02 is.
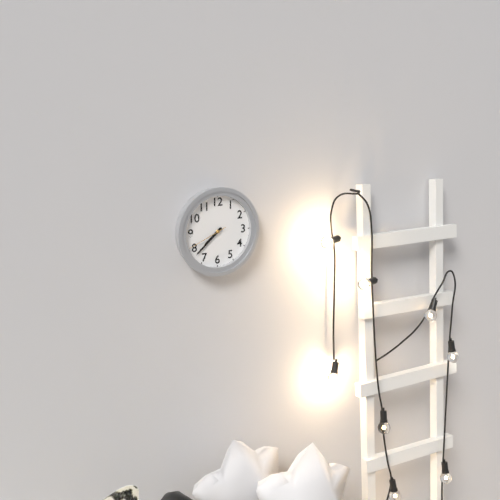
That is 7h38
